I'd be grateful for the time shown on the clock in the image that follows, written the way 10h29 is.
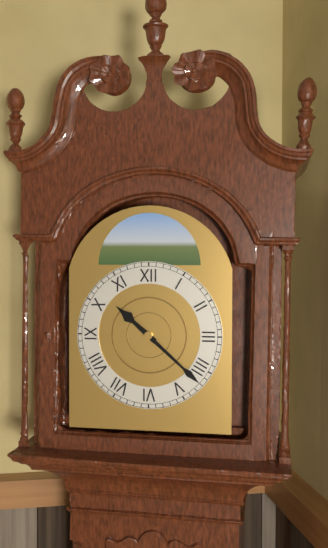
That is 10h22
